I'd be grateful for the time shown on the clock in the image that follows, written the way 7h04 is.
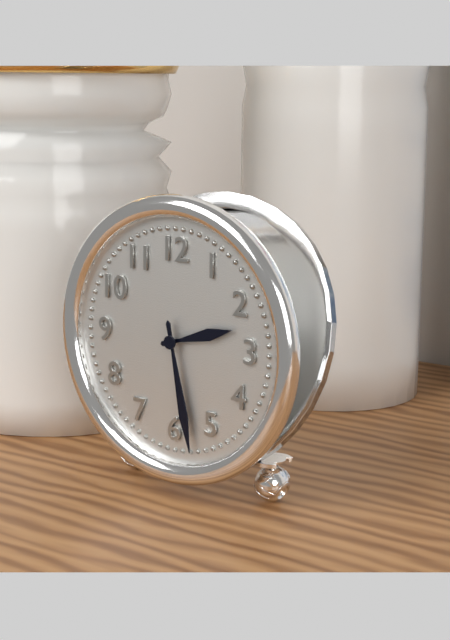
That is 2h28
